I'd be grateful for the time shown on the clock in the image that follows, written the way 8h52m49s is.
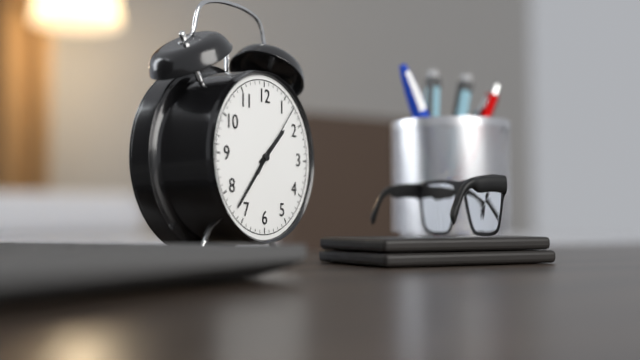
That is 1h37m07s
